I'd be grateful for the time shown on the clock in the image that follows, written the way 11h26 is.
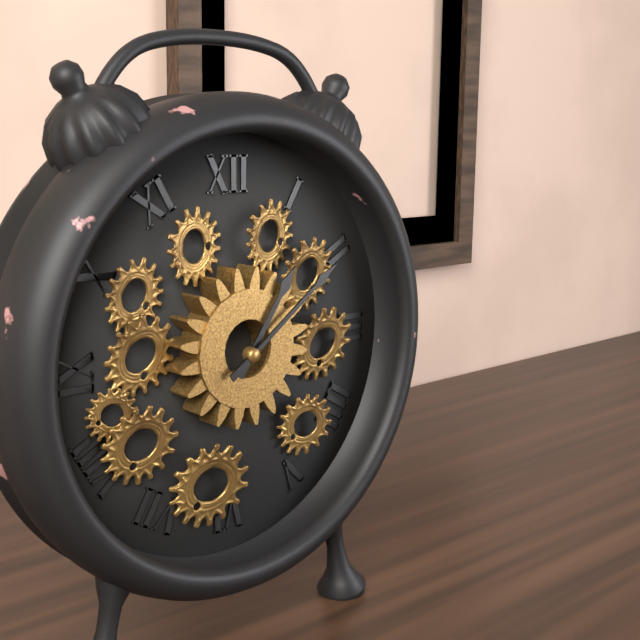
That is 1h09
